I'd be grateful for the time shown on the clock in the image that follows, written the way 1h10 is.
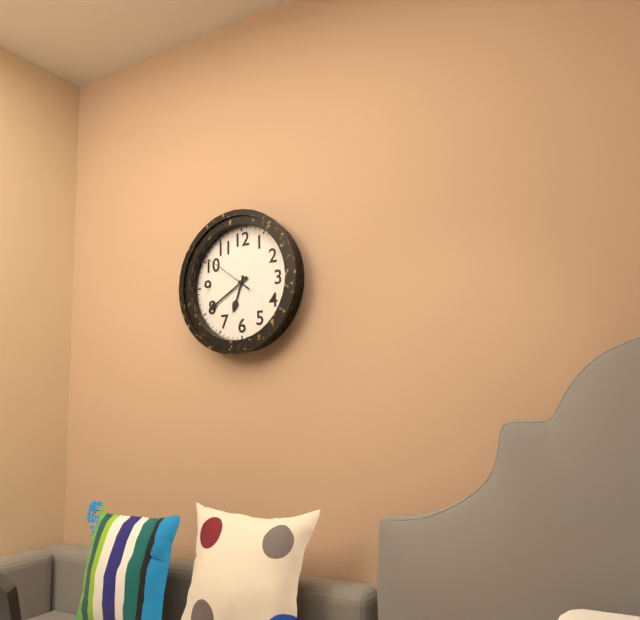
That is 6h40
